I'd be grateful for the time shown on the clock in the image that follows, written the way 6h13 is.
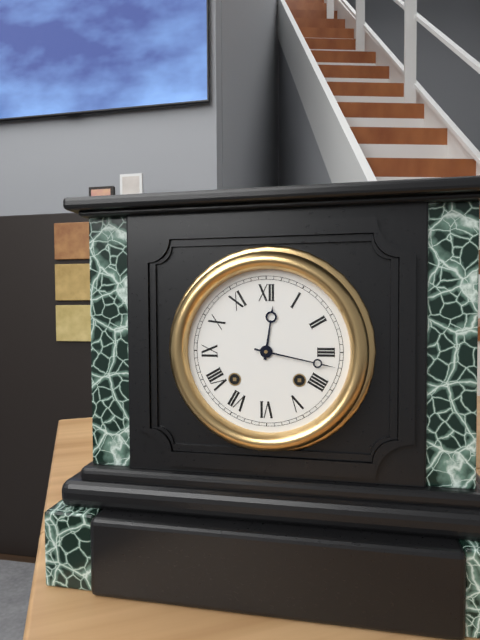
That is 12h17
